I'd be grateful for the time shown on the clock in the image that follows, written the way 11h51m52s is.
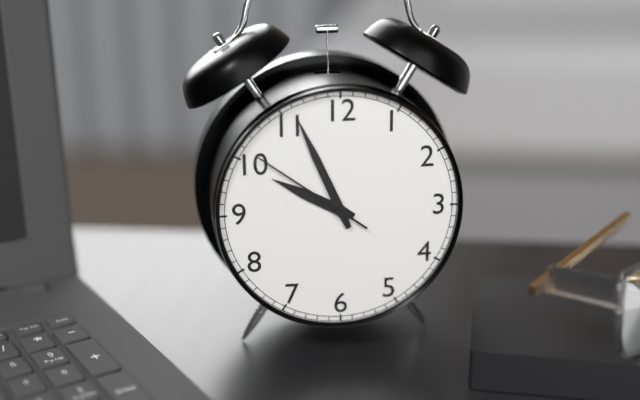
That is 9h56m51s
